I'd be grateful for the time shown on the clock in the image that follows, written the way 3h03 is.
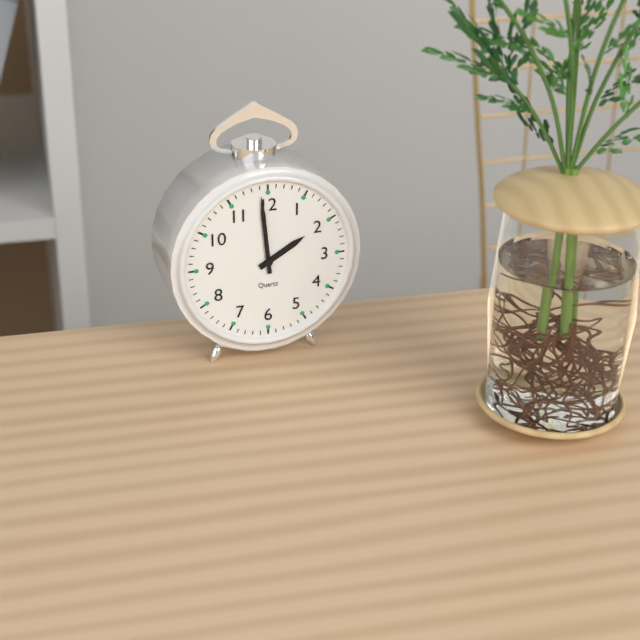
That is 1h59
